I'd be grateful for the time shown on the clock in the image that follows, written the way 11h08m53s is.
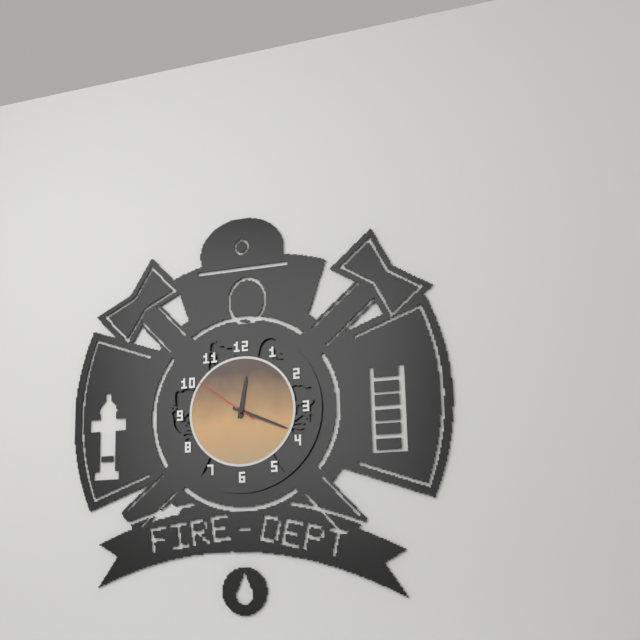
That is 12h19m51s
